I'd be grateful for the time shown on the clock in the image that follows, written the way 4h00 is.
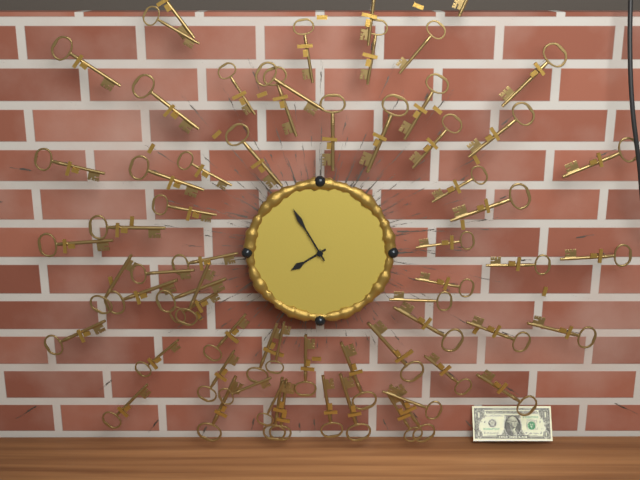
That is 7h55
